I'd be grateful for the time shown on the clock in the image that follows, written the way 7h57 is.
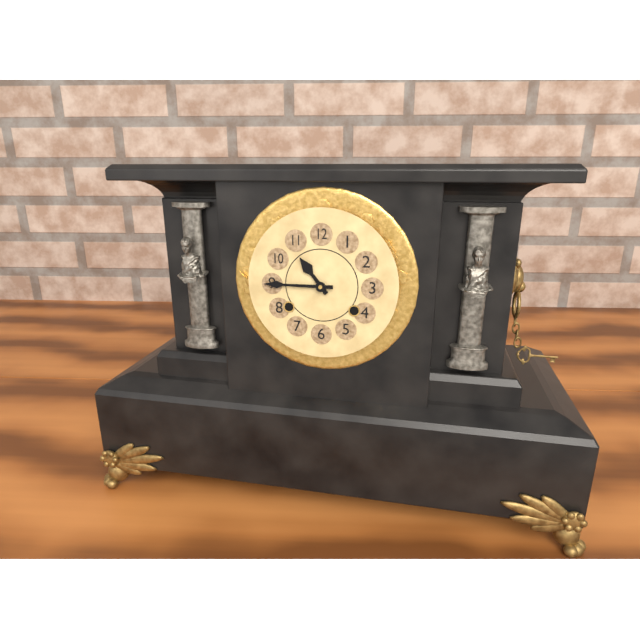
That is 10h45
